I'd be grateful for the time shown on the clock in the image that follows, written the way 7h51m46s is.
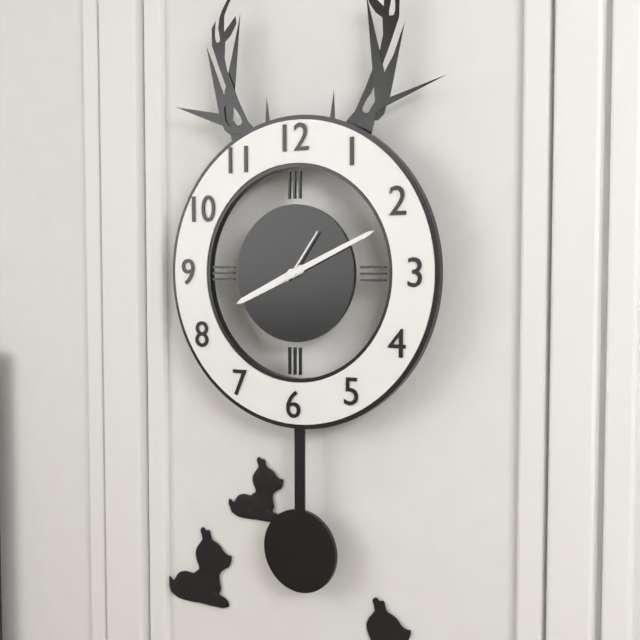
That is 8h11m06s
